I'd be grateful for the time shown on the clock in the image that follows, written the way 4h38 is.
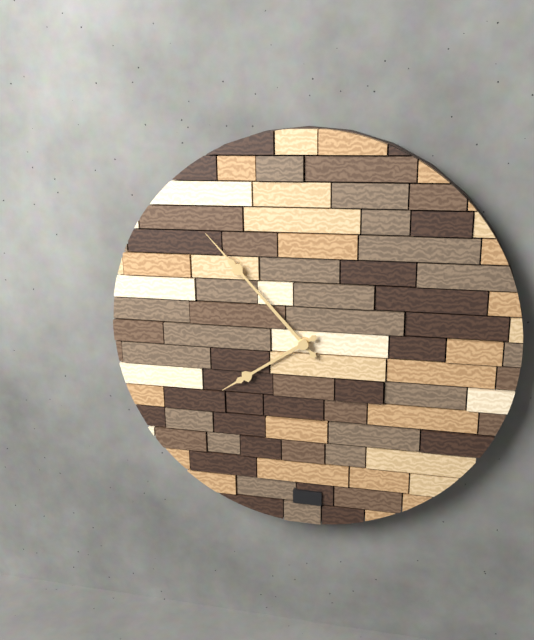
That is 7h53
